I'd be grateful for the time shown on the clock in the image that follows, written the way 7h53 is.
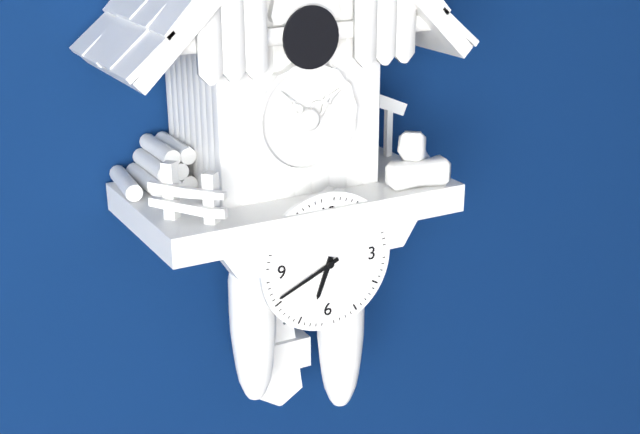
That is 6h41
